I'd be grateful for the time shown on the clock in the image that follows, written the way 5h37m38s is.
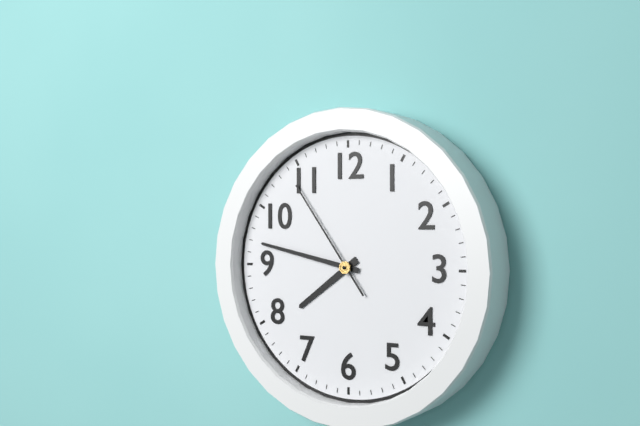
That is 7h47m54s
